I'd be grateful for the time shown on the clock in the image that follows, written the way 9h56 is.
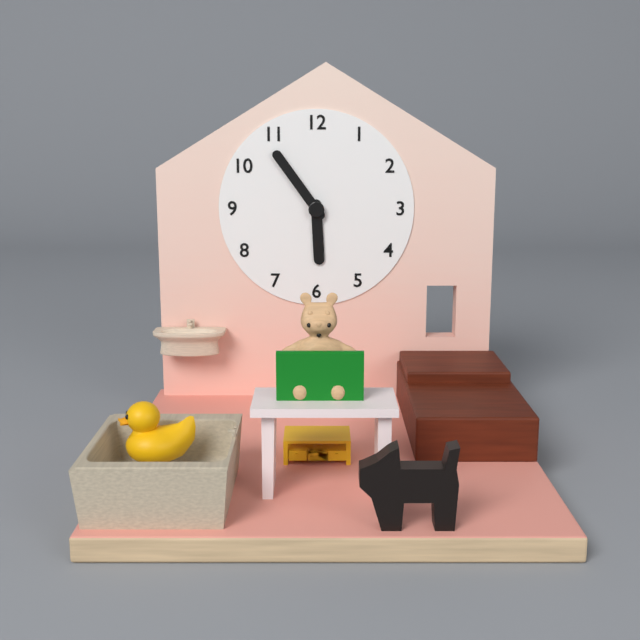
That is 5h54
